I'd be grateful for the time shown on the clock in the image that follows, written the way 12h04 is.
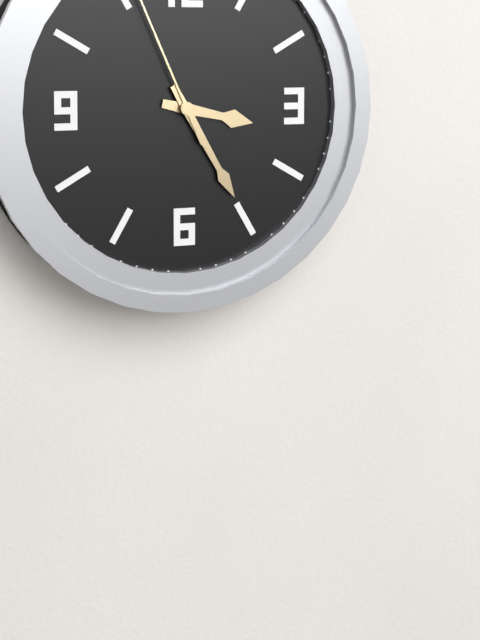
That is 3h25
